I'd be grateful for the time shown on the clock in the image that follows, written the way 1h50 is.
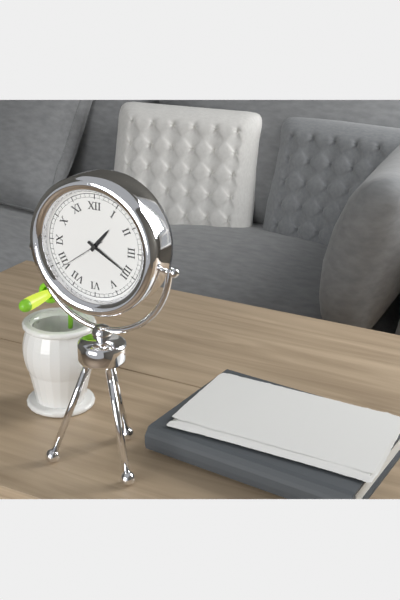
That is 1h20
